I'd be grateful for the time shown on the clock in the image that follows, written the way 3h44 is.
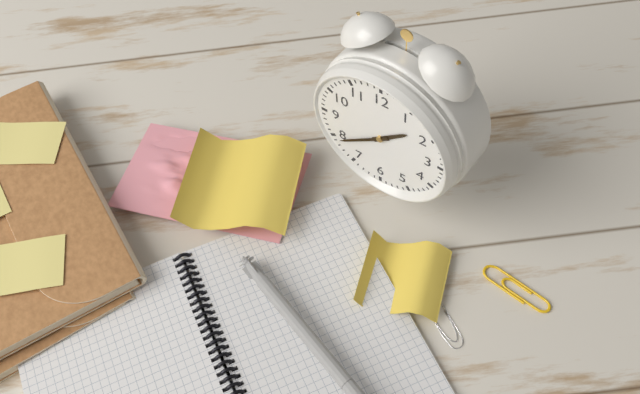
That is 1h39
